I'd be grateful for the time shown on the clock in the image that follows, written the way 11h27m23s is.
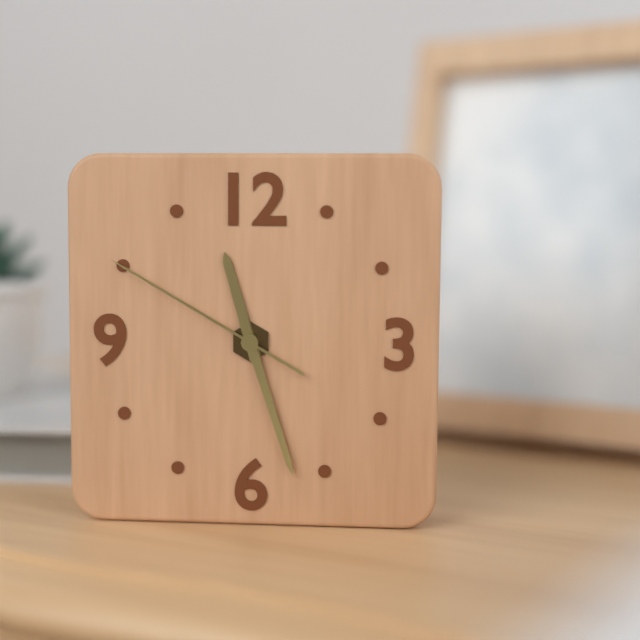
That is 11h27m50s
